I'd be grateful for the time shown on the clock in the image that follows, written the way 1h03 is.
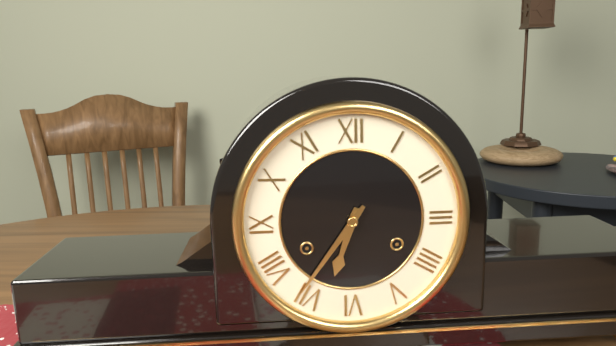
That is 6h36
